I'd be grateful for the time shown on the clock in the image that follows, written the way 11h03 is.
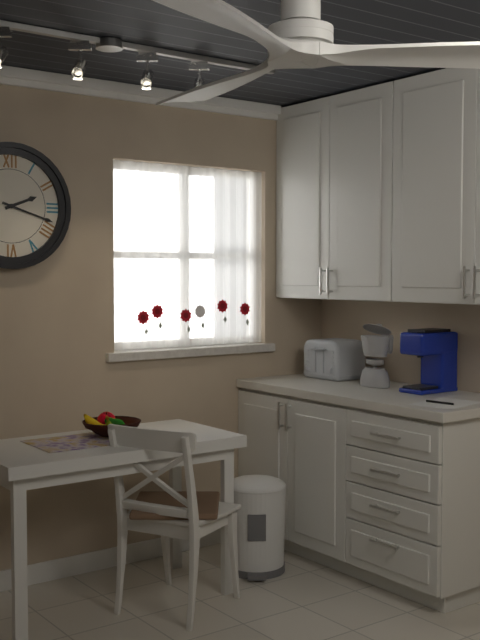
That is 2h18
